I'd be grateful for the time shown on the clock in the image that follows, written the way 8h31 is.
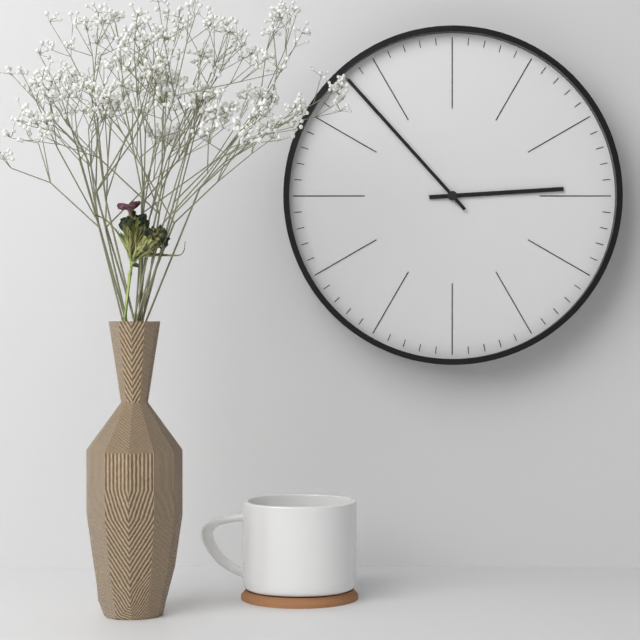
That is 2h53
